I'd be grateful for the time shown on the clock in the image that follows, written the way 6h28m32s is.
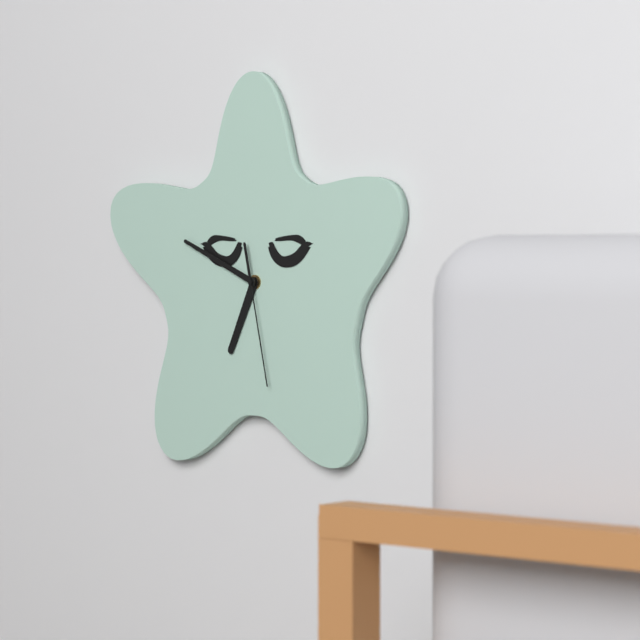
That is 6h49m28s
